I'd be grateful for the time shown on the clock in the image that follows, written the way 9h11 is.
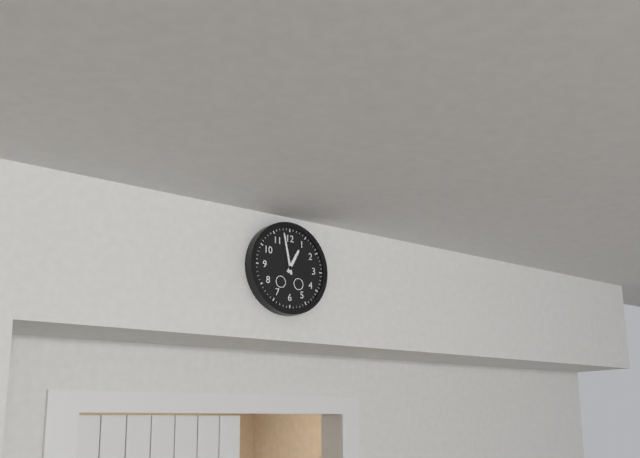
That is 12h58
